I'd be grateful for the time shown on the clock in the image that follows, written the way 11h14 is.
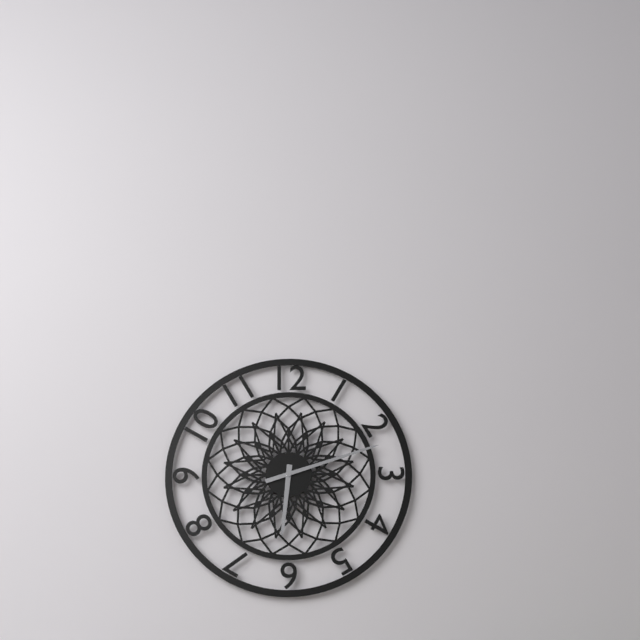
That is 6h12
